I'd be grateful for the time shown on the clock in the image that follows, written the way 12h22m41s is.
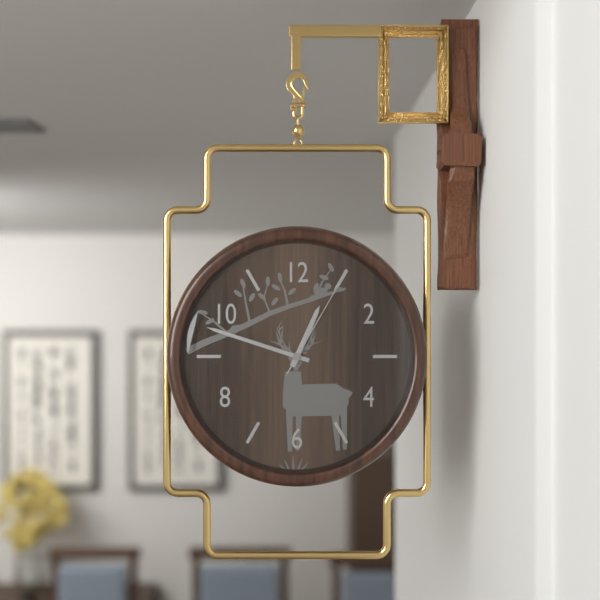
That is 12h48m05s
